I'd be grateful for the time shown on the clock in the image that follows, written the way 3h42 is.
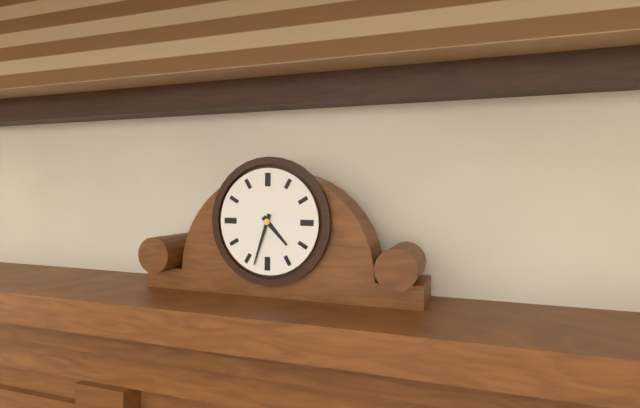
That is 4h33
